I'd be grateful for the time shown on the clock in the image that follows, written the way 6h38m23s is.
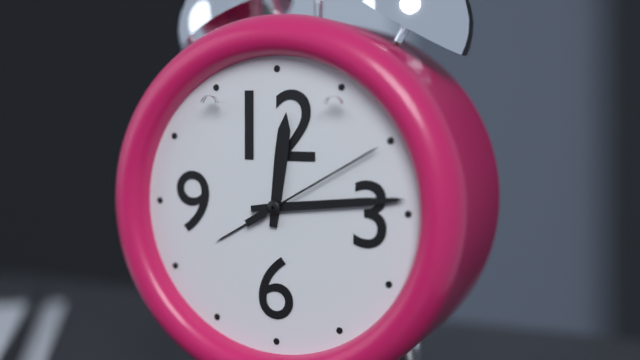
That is 12h14m10s
